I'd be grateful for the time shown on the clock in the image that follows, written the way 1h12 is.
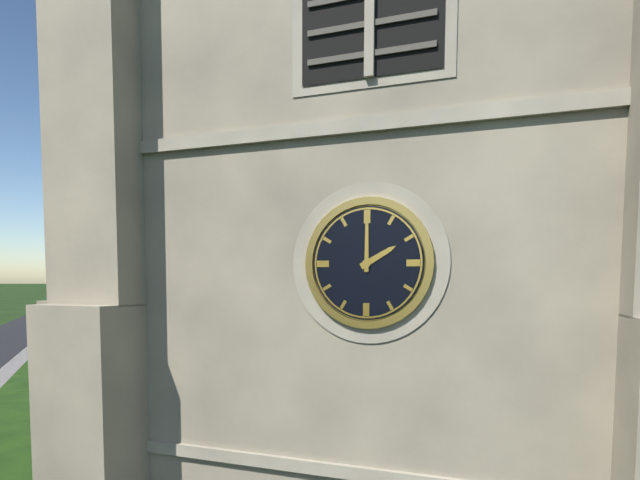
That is 2h00
